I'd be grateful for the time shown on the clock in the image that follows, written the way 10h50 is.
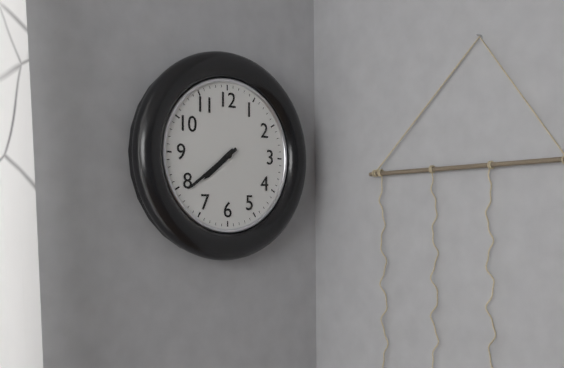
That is 7h39
